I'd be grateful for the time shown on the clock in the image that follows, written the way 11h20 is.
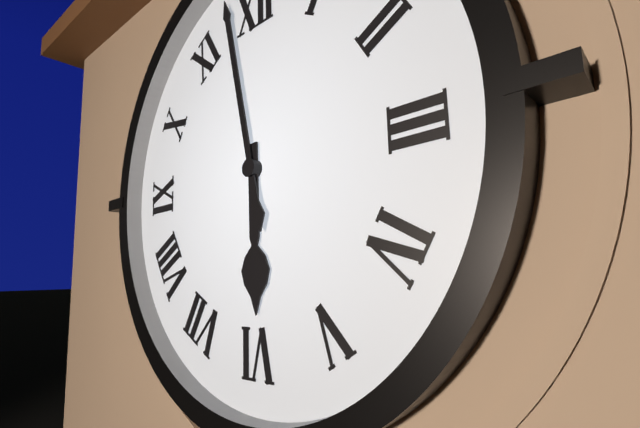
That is 5h58
